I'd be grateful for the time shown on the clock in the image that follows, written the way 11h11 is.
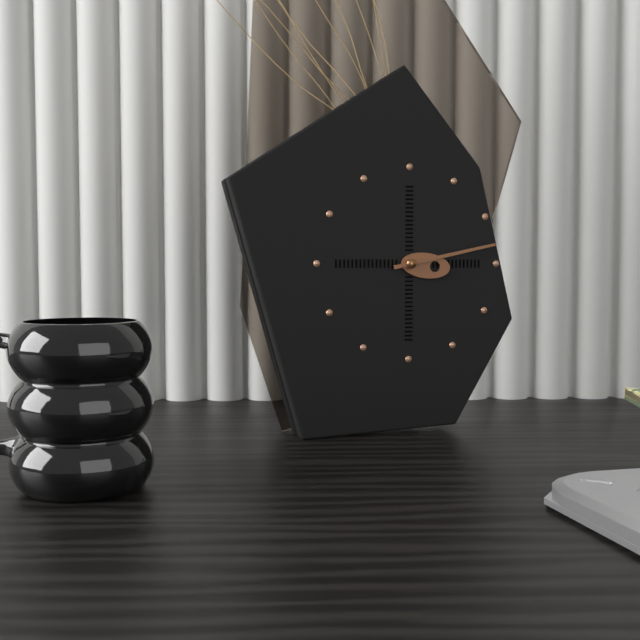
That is 3h13
